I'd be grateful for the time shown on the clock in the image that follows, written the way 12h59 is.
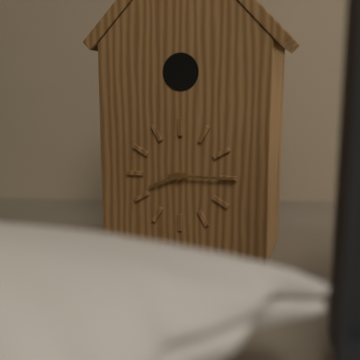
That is 8h15
